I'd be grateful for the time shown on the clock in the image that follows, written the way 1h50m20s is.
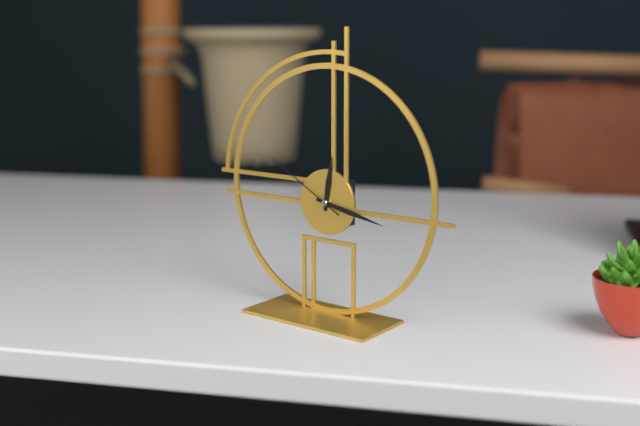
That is 12h17m50s
